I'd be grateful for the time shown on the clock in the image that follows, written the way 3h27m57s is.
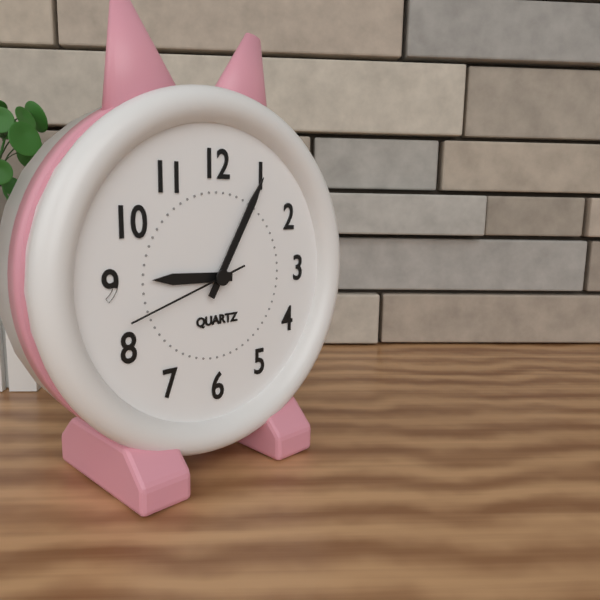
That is 9h05m42s
